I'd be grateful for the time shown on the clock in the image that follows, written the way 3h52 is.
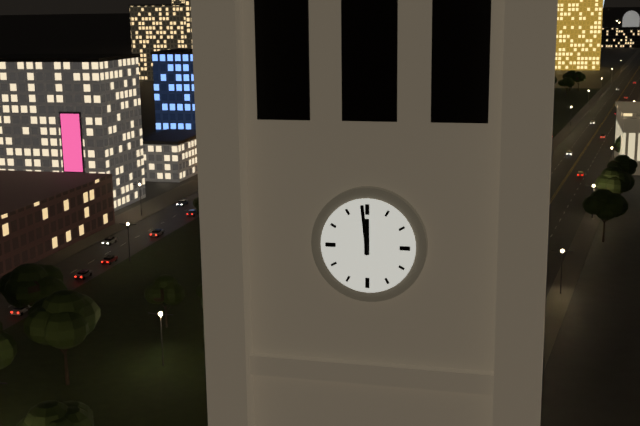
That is 11h59
